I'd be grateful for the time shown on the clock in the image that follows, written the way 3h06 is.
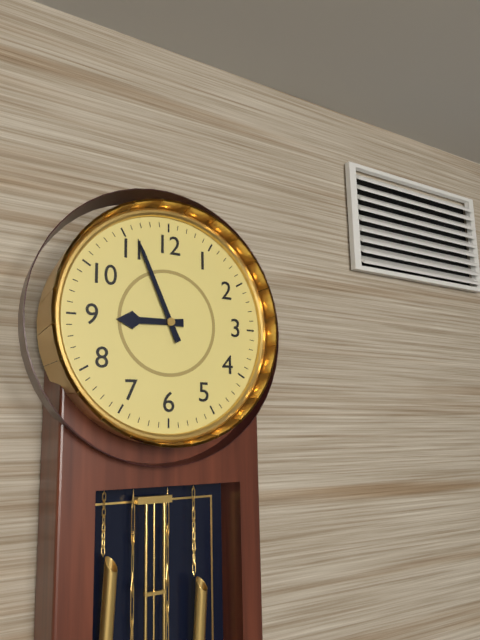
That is 8h56
